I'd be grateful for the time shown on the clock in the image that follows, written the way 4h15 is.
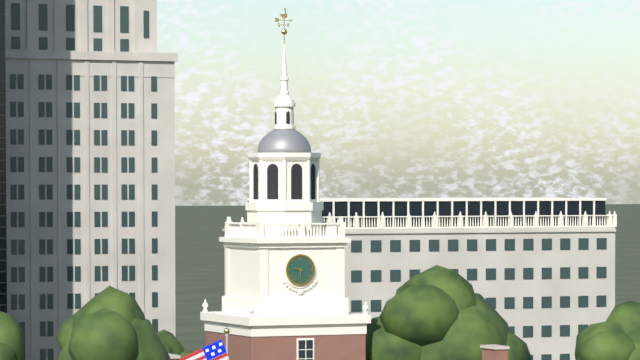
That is 9h31
